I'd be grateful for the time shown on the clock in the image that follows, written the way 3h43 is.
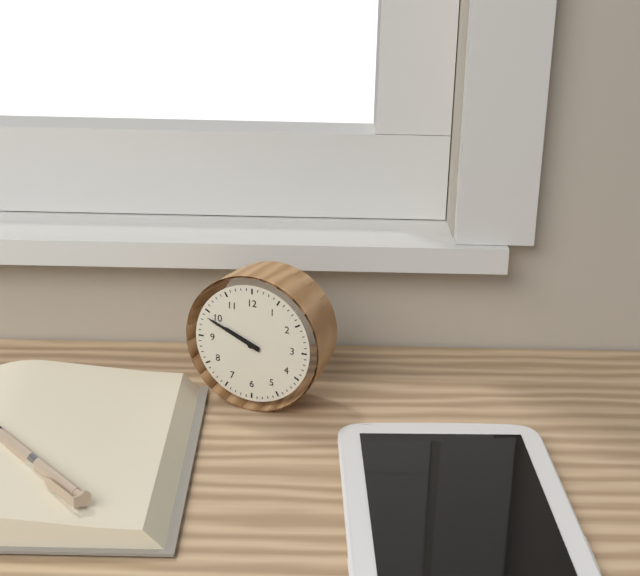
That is 9h49
